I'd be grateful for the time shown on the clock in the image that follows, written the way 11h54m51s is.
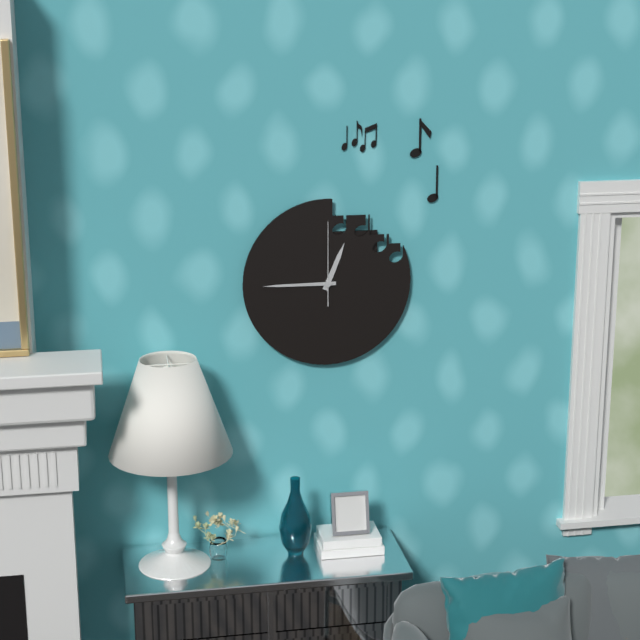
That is 12h45m00s
